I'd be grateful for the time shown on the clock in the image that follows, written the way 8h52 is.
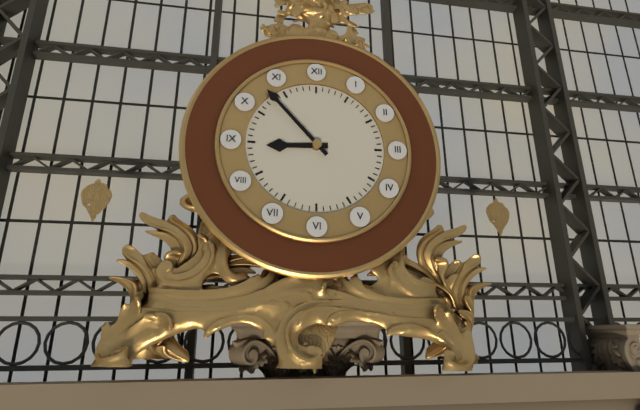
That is 8h53
